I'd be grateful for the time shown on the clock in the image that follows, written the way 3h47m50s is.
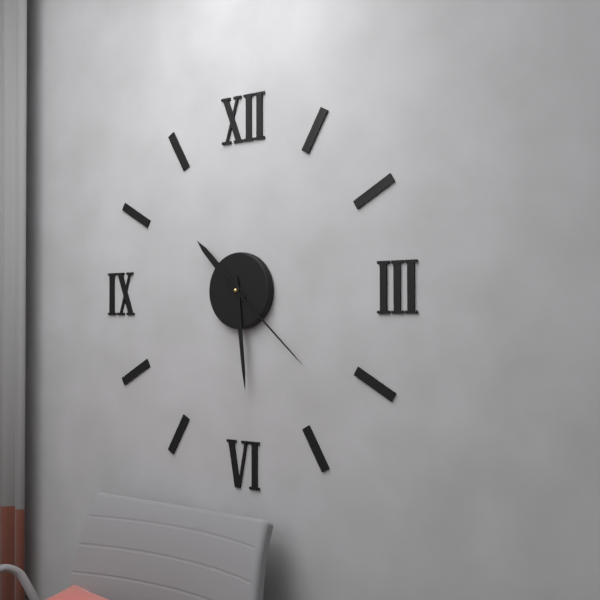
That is 10h29m22s
